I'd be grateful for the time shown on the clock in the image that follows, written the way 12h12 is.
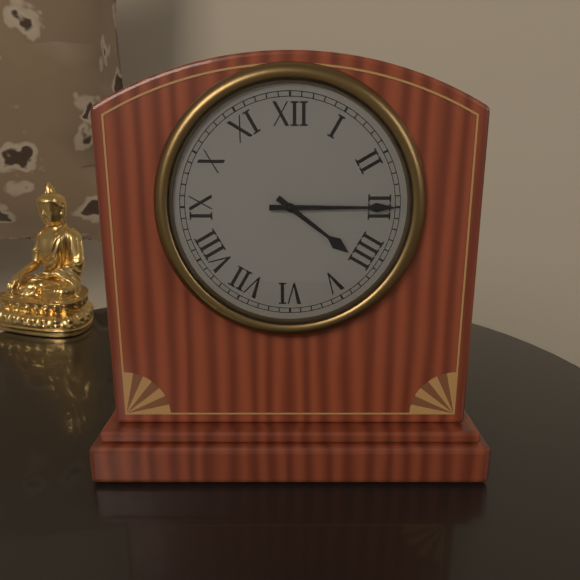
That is 4h15
